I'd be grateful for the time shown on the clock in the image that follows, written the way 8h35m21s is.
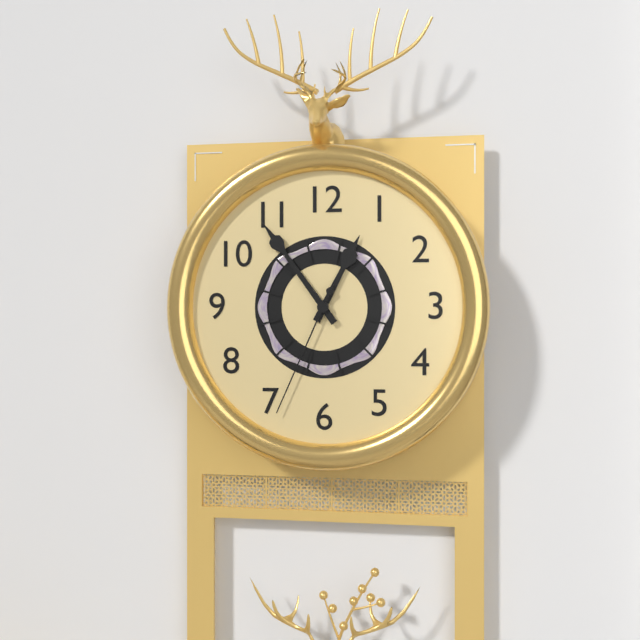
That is 12h54m34s
